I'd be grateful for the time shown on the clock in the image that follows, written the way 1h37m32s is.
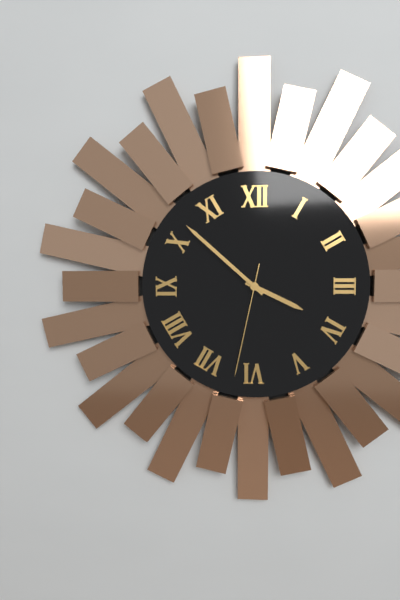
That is 3h52m32s
